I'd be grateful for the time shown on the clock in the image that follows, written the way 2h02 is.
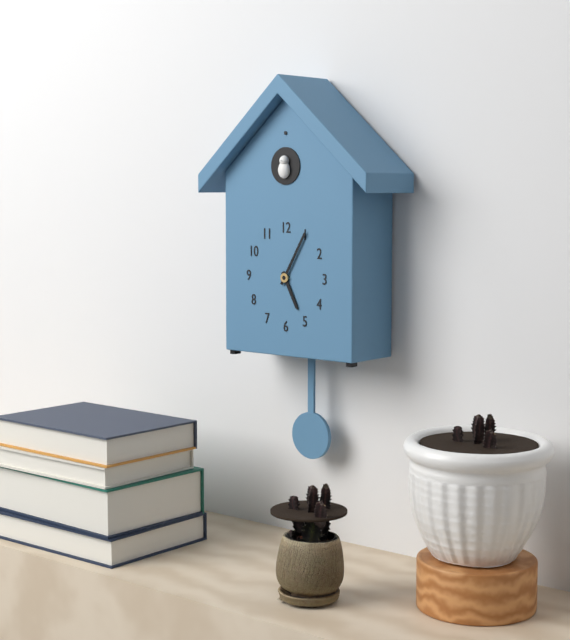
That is 5h05
